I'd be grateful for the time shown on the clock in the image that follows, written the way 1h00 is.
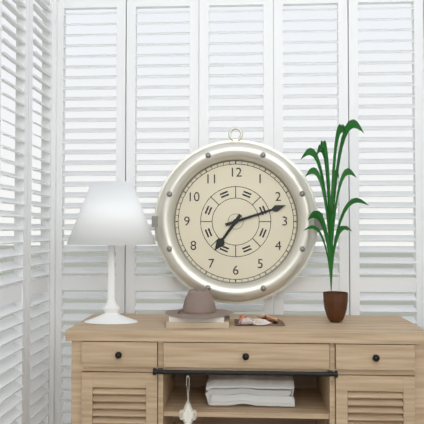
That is 7h12
